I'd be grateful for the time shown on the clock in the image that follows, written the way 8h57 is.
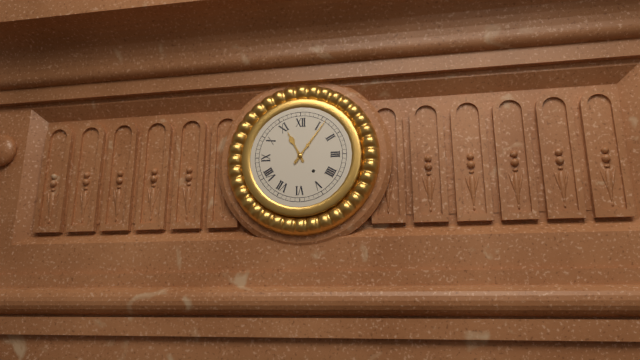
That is 11h06
